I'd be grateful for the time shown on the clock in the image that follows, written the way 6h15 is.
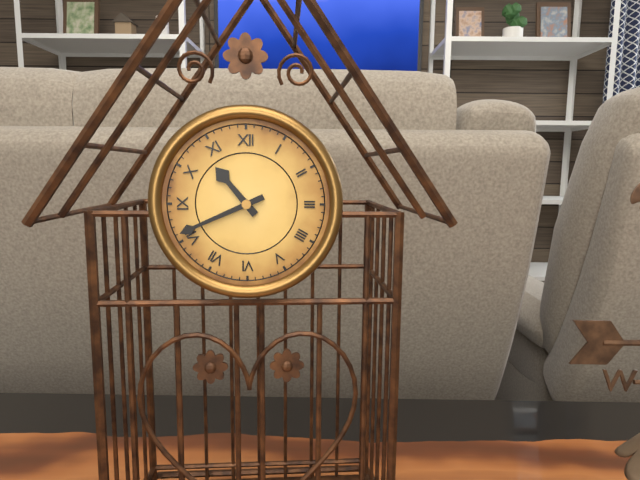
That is 10h41
